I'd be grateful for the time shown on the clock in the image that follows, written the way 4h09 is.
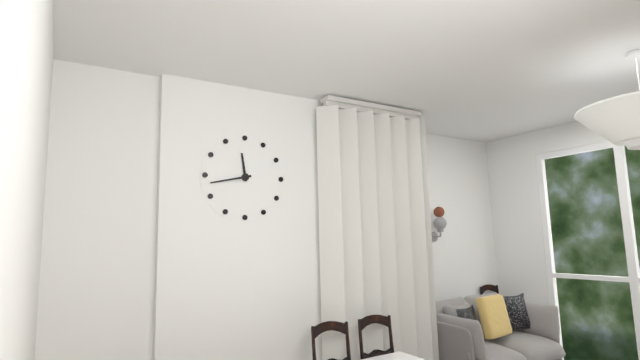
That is 11h43
